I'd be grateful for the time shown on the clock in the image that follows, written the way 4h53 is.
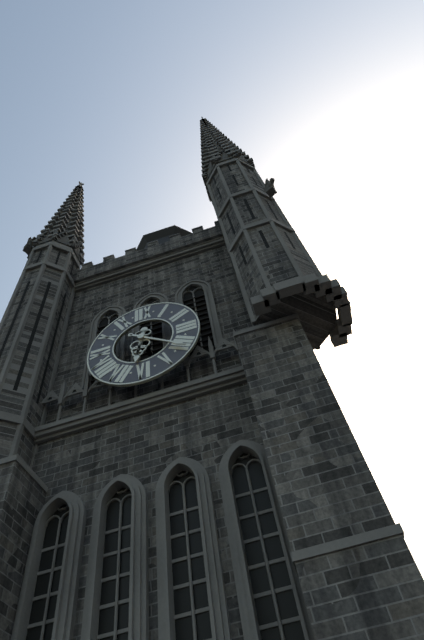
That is 6h21
